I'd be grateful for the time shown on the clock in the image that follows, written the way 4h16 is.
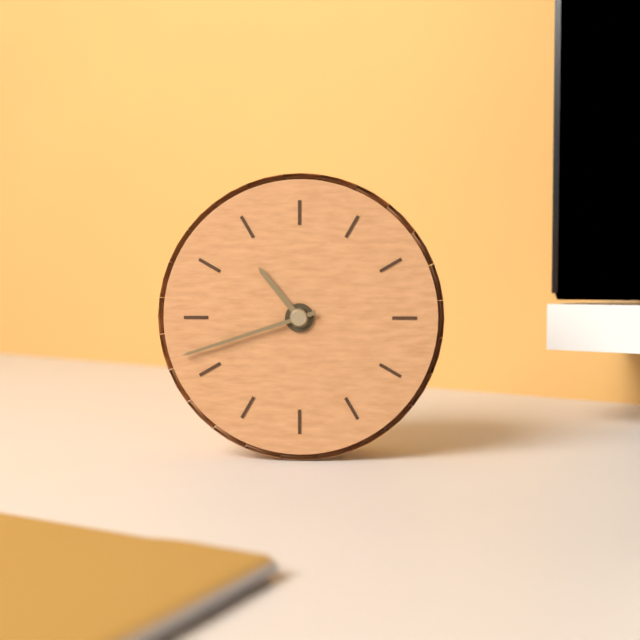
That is 10h42
